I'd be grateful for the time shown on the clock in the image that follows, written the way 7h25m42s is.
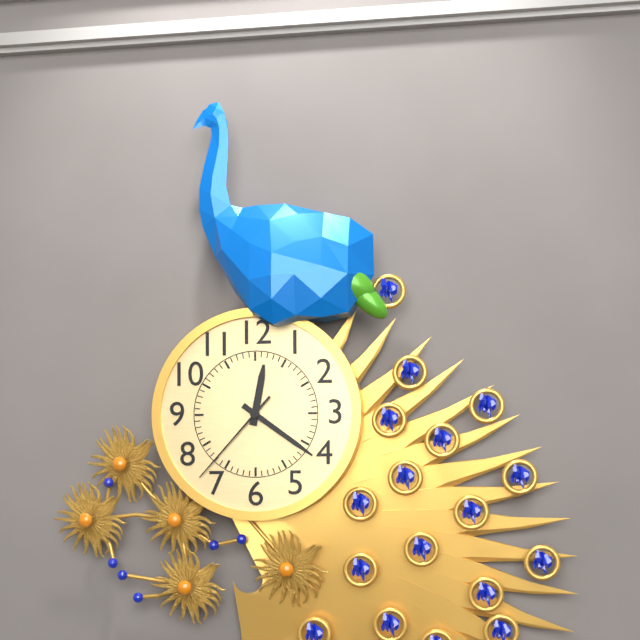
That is 12h21m37s
